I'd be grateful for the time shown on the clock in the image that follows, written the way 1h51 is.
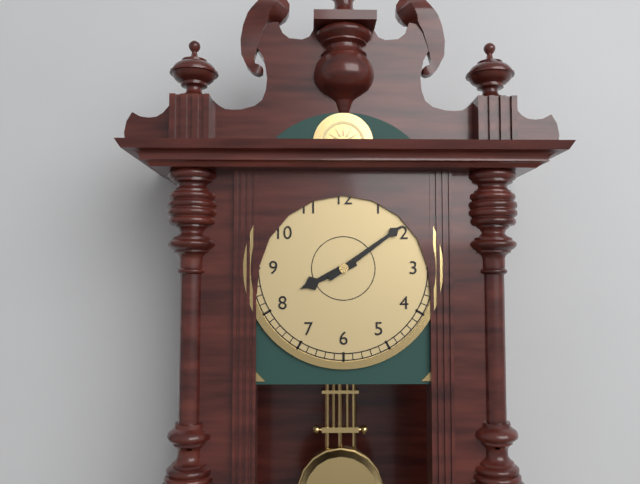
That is 8h09
